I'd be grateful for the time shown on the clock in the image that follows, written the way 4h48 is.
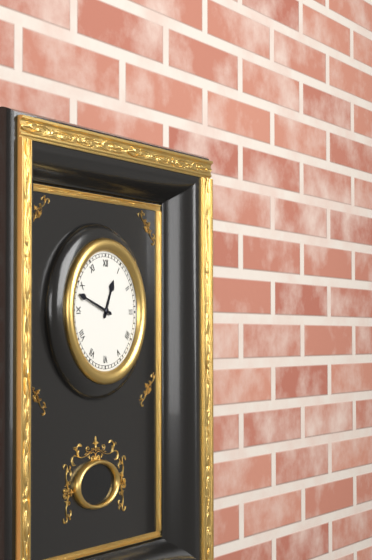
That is 12h48
